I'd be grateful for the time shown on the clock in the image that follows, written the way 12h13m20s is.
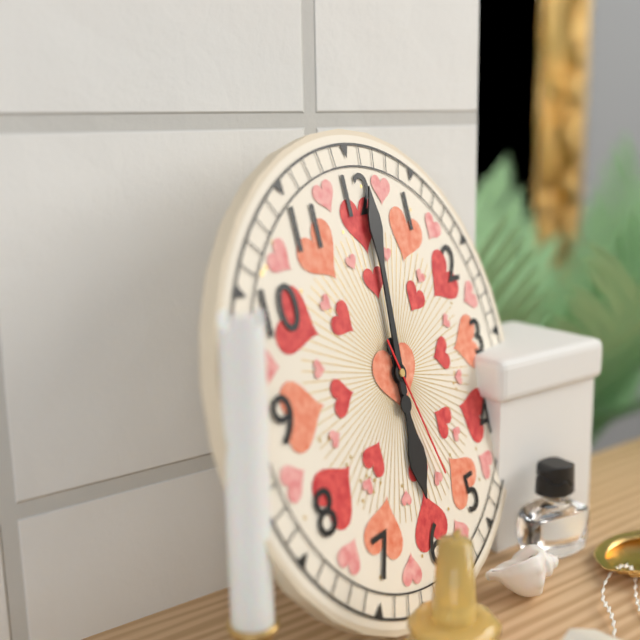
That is 6h01m27s
